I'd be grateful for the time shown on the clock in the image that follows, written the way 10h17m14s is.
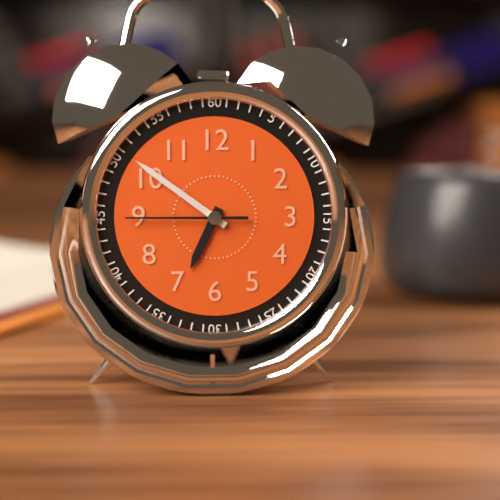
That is 6h51m45s
